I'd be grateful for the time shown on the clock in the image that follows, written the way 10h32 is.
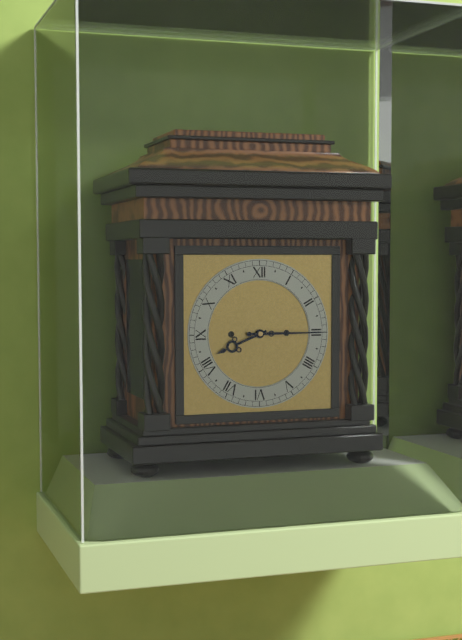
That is 8h15
